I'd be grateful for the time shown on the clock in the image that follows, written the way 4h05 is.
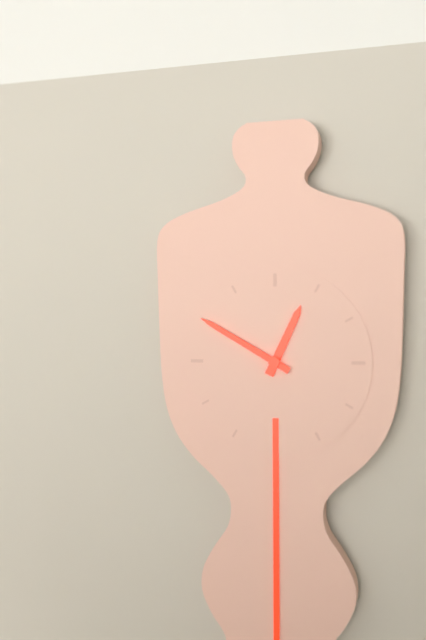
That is 12h50
